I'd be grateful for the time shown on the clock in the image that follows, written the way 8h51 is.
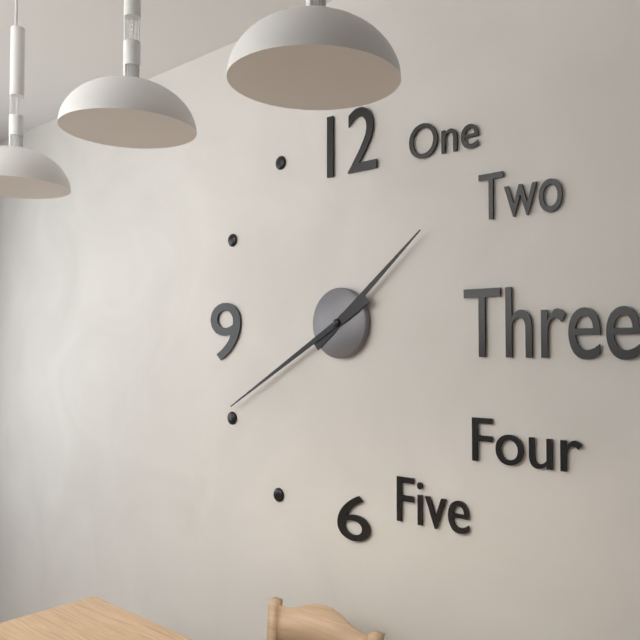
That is 1h40
